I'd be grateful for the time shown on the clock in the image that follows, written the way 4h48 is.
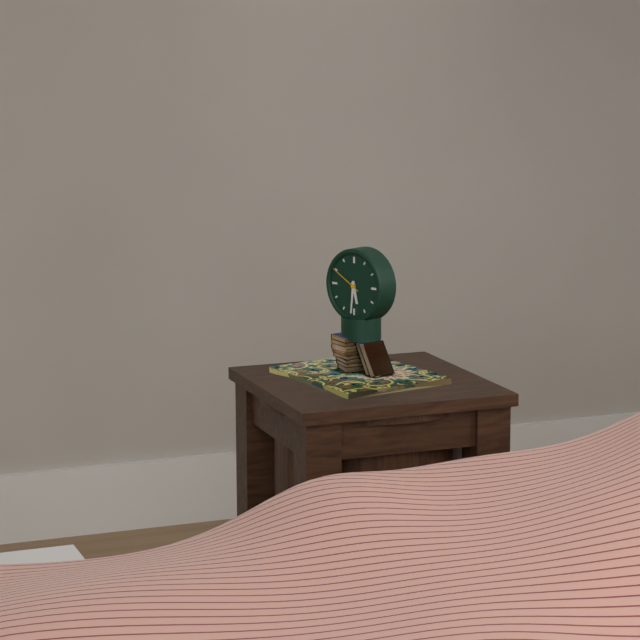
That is 5h31
